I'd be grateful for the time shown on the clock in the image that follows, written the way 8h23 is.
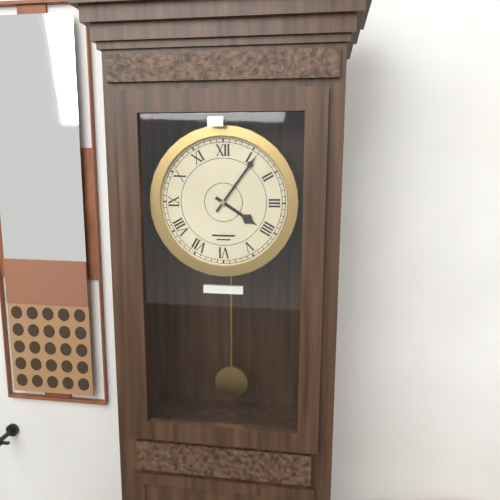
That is 4h06
